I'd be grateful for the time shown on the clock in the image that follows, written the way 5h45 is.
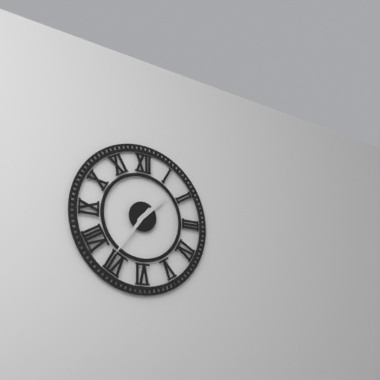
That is 1h36
